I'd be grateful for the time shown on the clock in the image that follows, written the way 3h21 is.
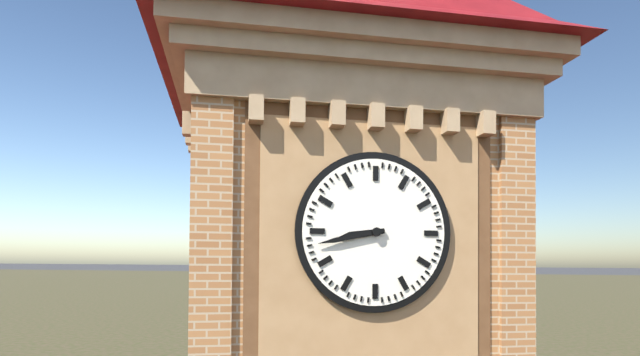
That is 8h43
